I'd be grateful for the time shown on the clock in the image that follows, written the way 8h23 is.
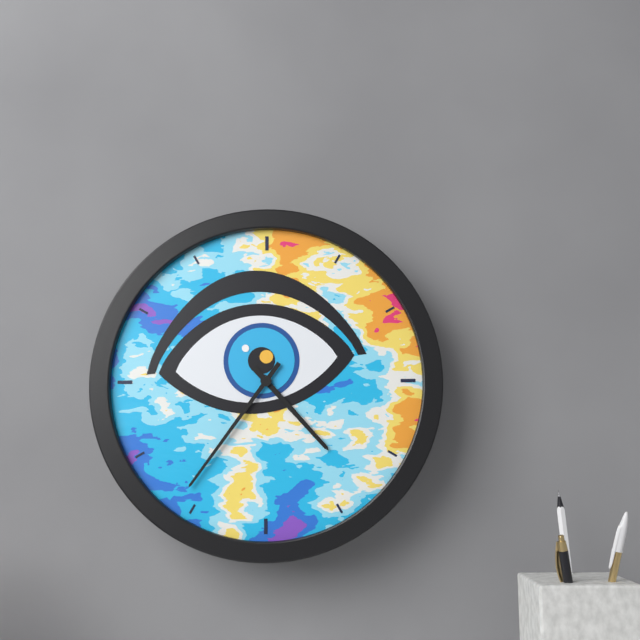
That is 4h36
